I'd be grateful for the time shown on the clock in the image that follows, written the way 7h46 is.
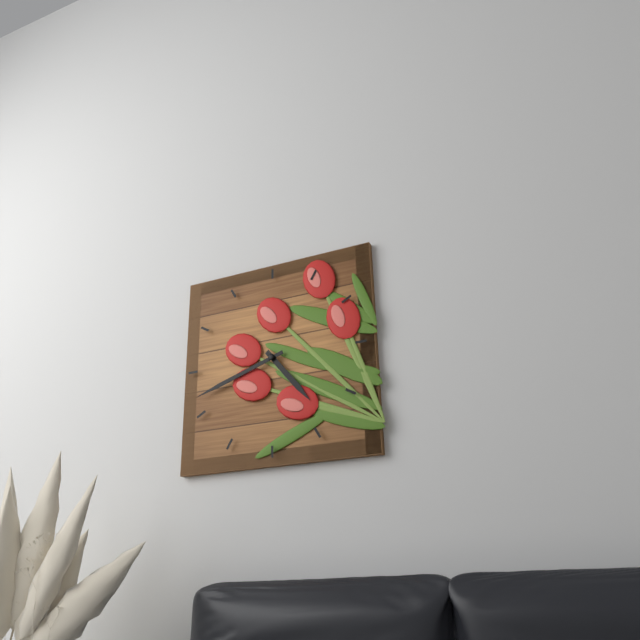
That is 4h42
